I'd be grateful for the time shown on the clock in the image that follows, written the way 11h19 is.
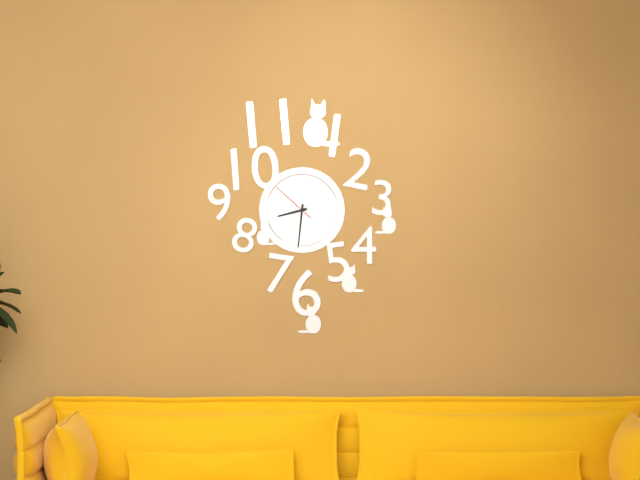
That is 8h31
